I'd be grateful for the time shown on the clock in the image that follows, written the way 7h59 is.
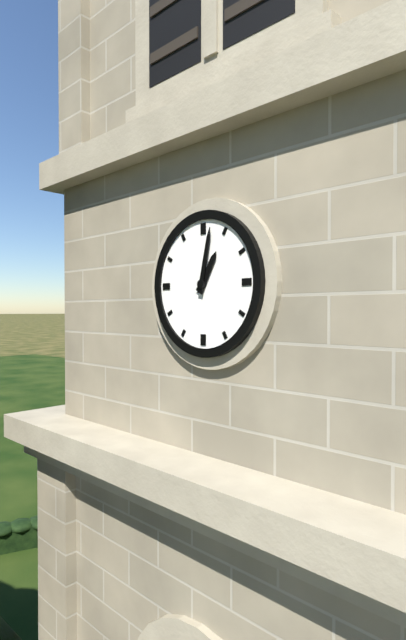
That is 1h02
